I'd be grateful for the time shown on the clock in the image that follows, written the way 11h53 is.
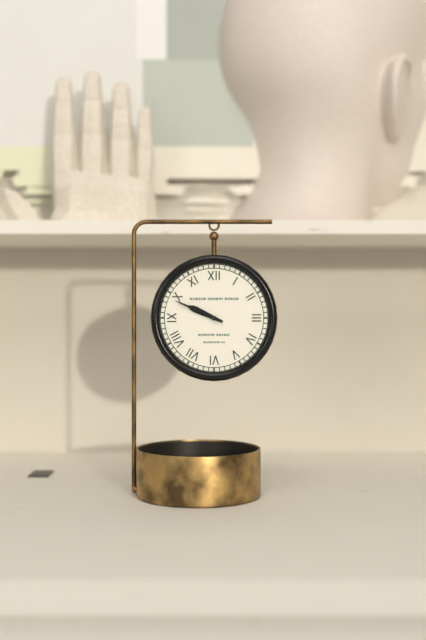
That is 9h49
